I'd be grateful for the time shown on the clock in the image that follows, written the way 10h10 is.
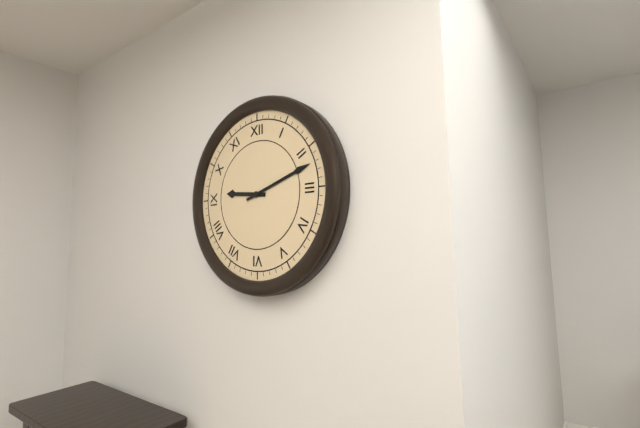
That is 9h12
